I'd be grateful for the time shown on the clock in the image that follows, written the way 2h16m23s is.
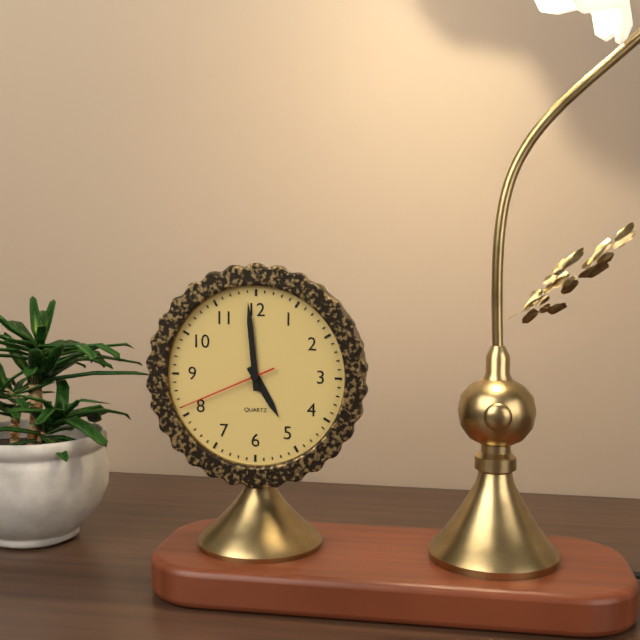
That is 4h59m41s
